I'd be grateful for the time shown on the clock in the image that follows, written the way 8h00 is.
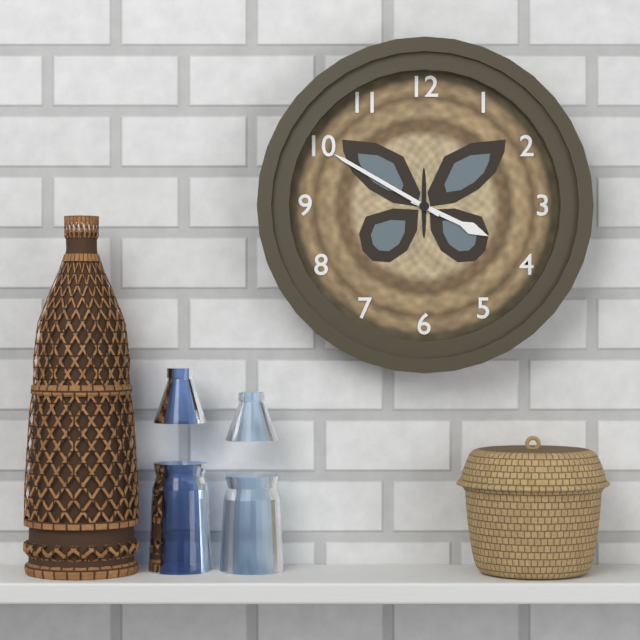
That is 3h50
